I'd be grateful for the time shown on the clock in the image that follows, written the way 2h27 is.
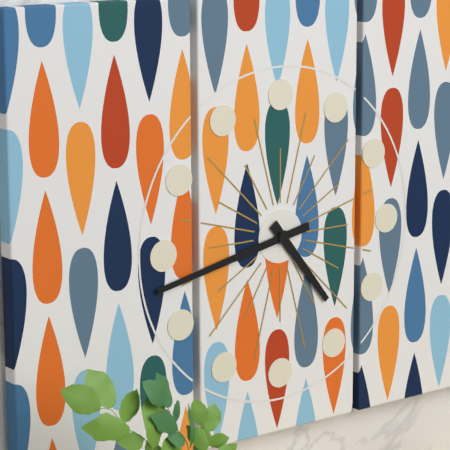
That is 4h43
